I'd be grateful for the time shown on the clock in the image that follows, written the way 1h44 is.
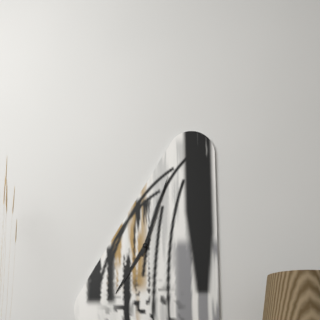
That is 7h03
